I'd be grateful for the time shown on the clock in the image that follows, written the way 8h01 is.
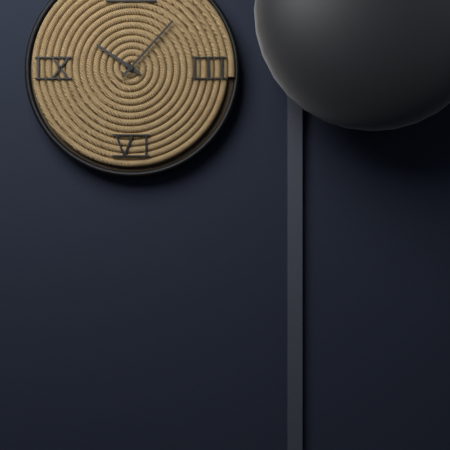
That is 10h07
